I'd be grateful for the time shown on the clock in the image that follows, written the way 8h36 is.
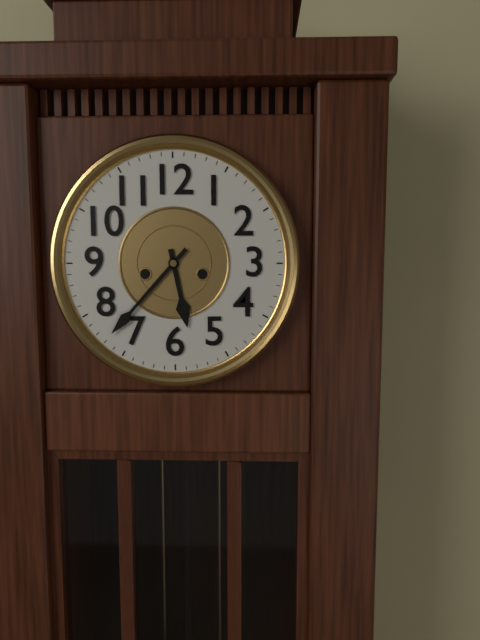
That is 5h37
